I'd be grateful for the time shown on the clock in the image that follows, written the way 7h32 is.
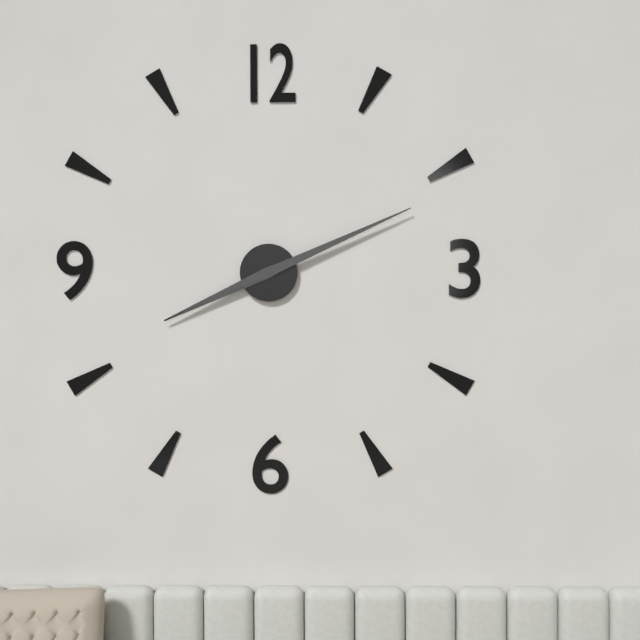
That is 8h11
